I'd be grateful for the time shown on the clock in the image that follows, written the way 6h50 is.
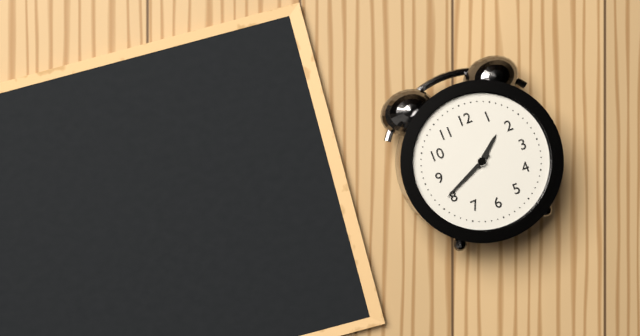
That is 1h41
